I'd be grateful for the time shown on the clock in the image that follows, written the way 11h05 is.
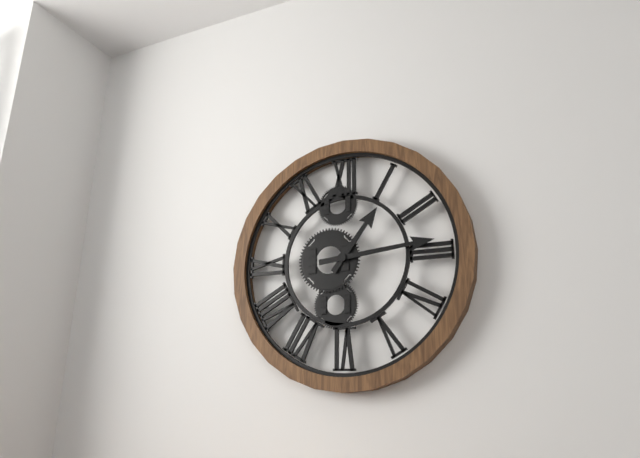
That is 1h14
